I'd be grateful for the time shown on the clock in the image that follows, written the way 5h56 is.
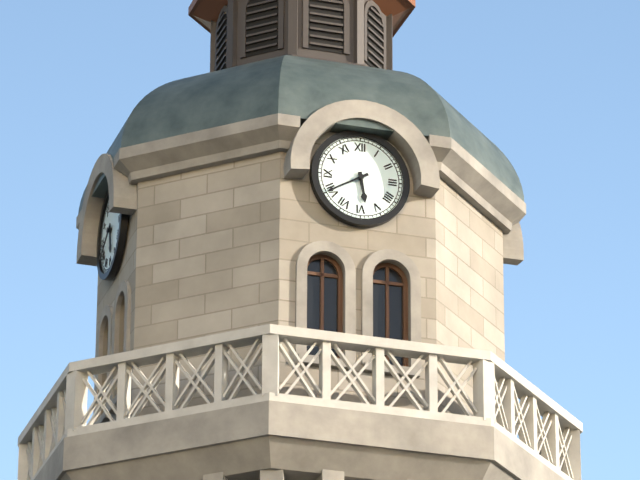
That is 5h40
